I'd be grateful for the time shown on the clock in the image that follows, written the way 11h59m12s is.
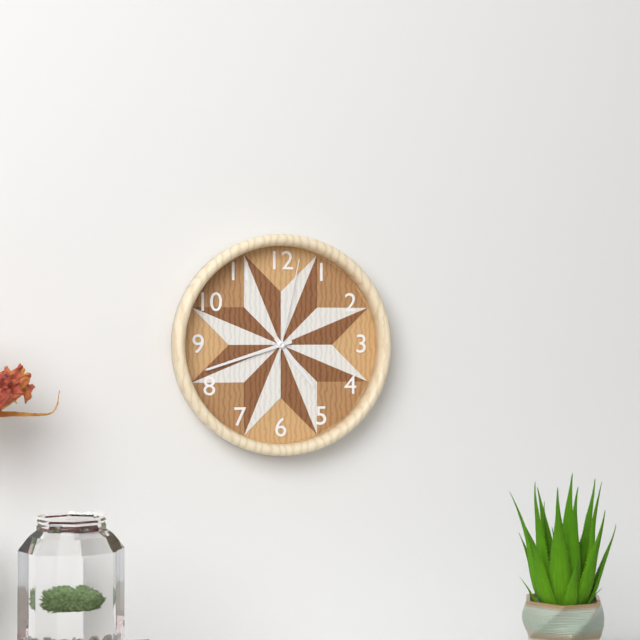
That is 4h42m02s
